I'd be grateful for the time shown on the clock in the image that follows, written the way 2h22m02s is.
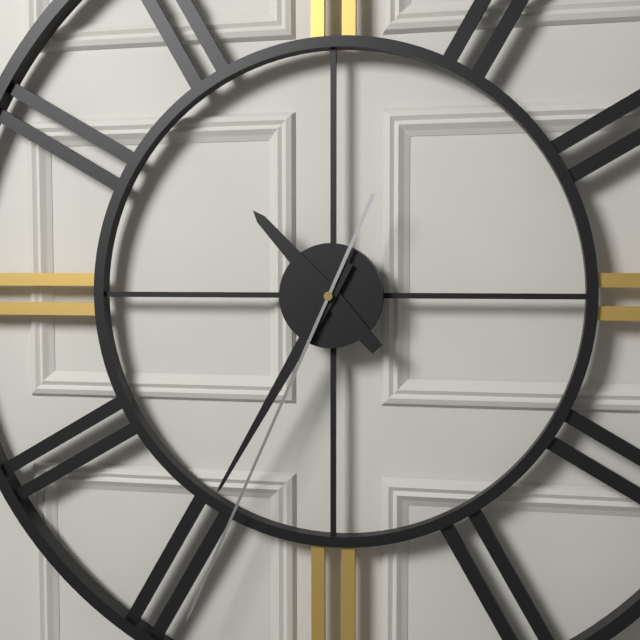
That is 10h35m34s
